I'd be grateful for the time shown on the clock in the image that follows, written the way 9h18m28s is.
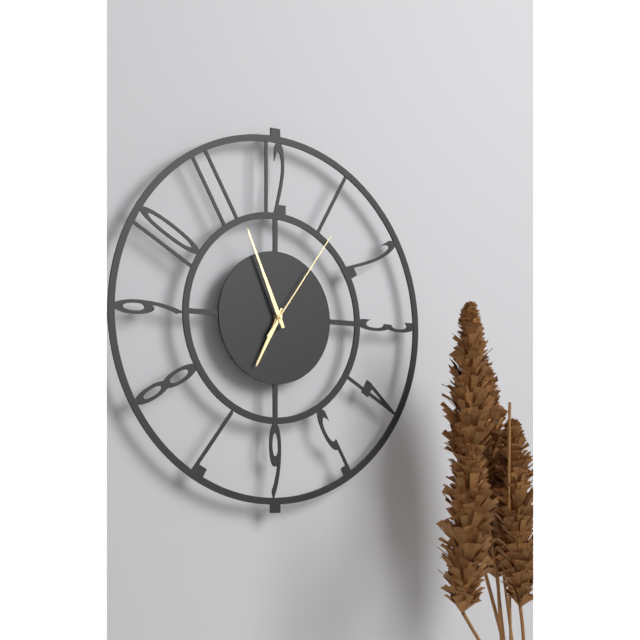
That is 6h56m06s
